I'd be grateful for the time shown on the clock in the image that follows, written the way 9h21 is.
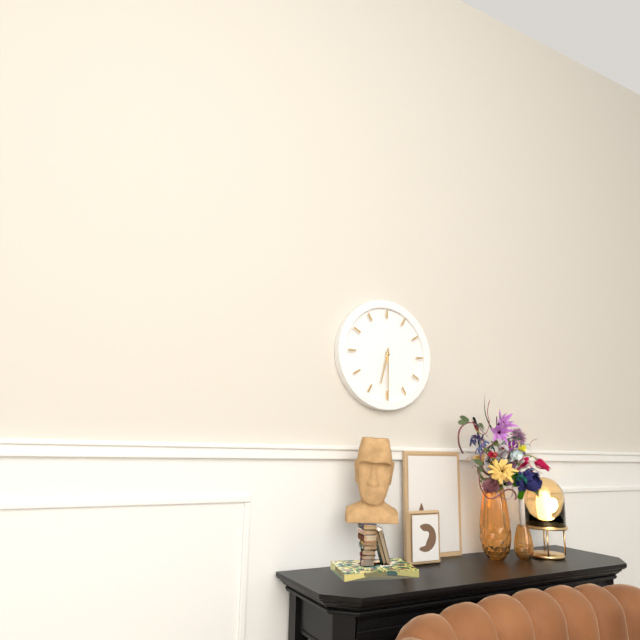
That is 6h30
